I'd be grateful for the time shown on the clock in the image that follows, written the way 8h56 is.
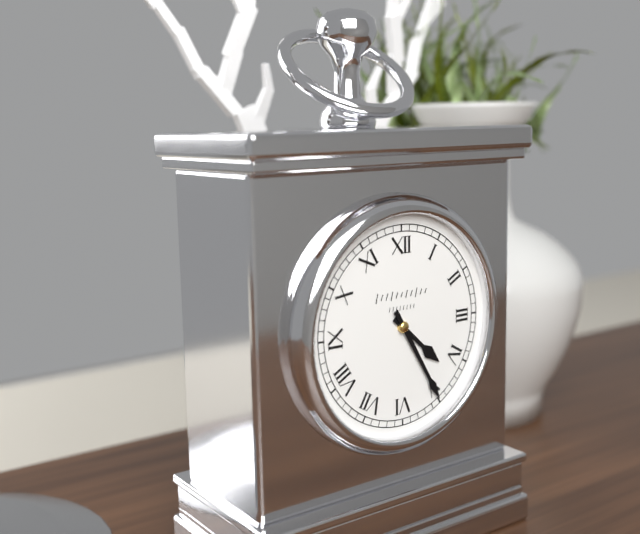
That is 4h25
